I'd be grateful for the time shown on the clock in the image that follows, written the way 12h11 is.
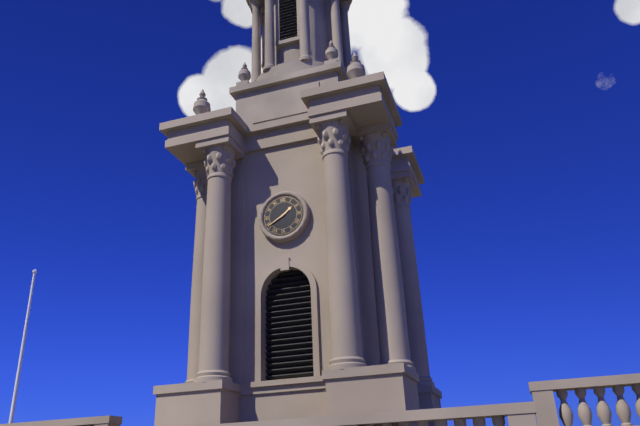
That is 1h40
